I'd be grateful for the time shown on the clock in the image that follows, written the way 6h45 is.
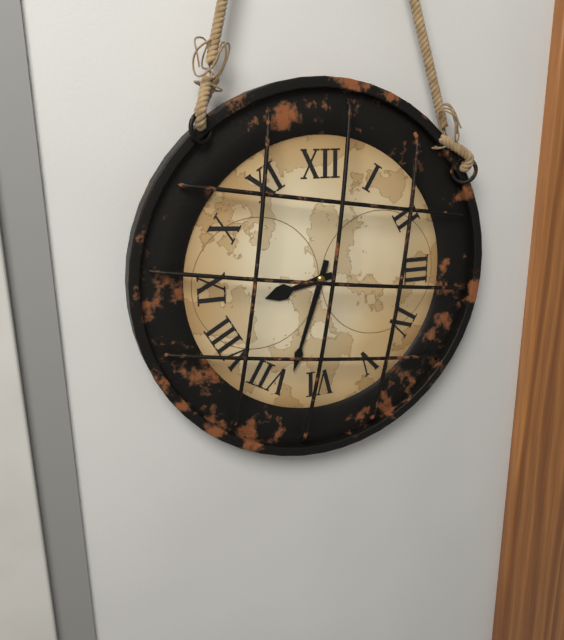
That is 8h33
